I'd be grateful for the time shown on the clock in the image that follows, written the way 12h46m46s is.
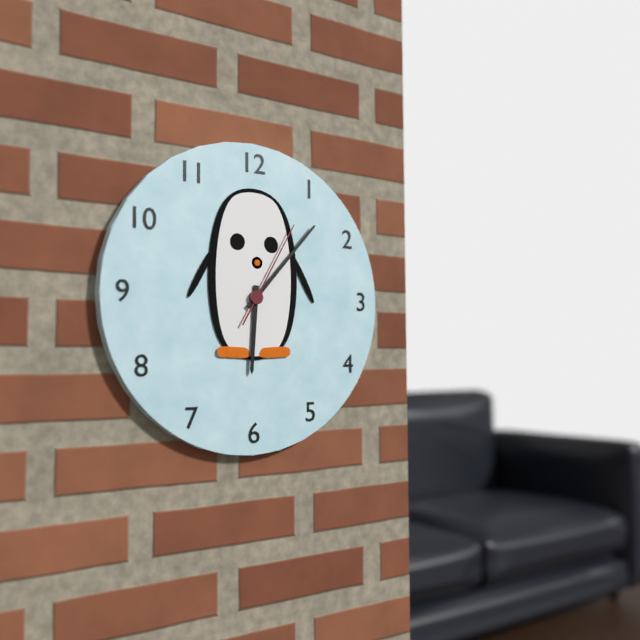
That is 6h07m05s
